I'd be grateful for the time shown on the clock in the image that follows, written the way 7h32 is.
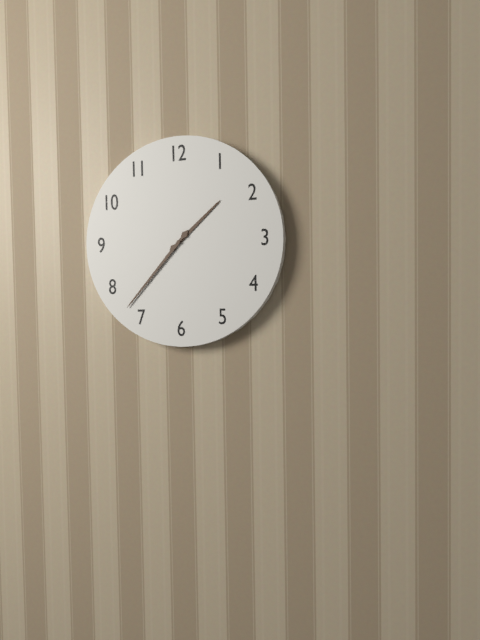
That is 1h37
